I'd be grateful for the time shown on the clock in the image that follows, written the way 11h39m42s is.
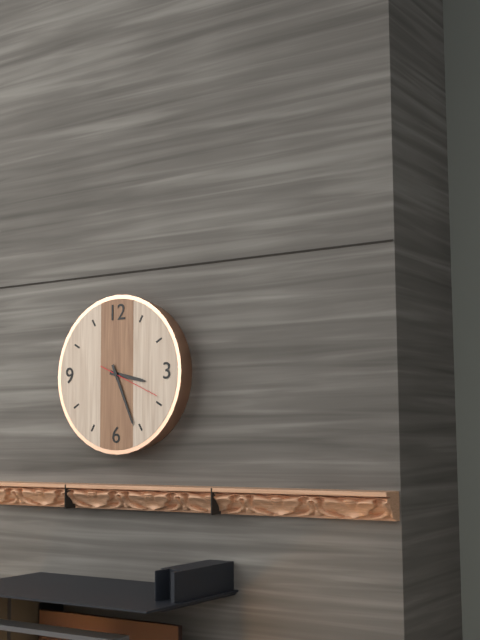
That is 3h26m19s
